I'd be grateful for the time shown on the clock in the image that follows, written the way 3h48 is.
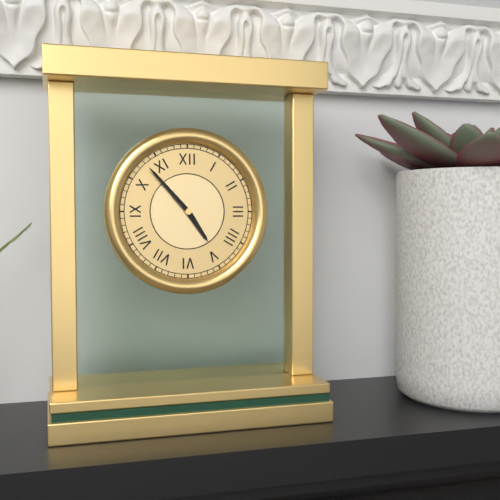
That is 4h53
